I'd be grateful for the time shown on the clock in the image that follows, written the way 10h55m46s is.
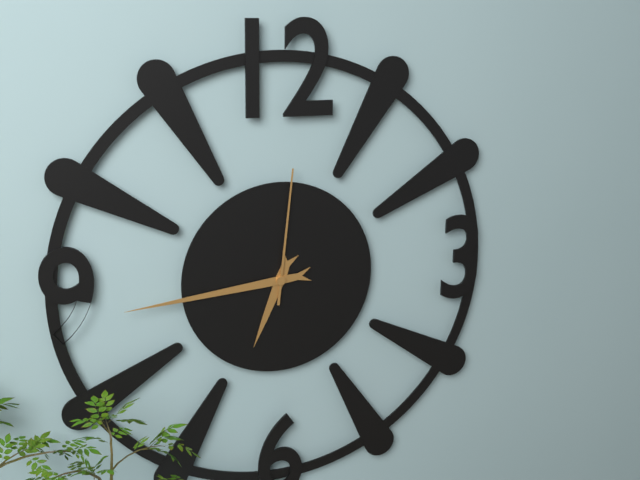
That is 6h44m01s
